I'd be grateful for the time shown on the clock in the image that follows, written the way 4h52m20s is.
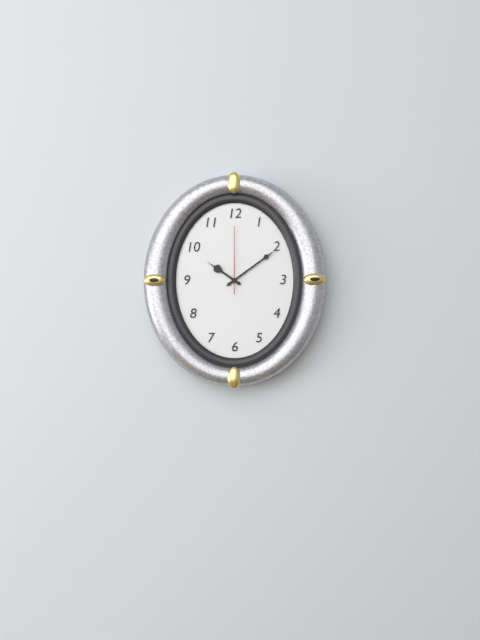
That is 10h09m00s
